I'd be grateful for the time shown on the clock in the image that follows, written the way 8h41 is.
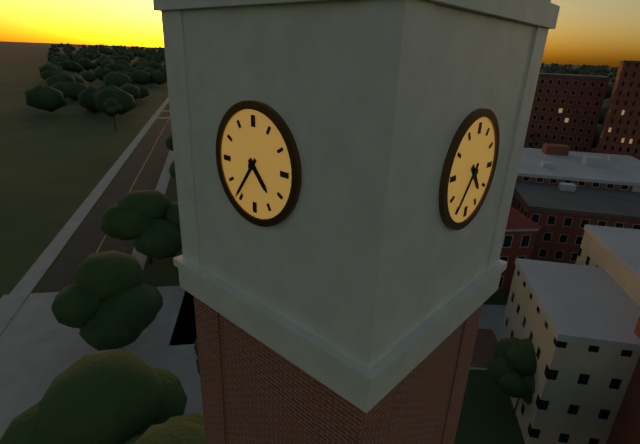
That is 4h36
